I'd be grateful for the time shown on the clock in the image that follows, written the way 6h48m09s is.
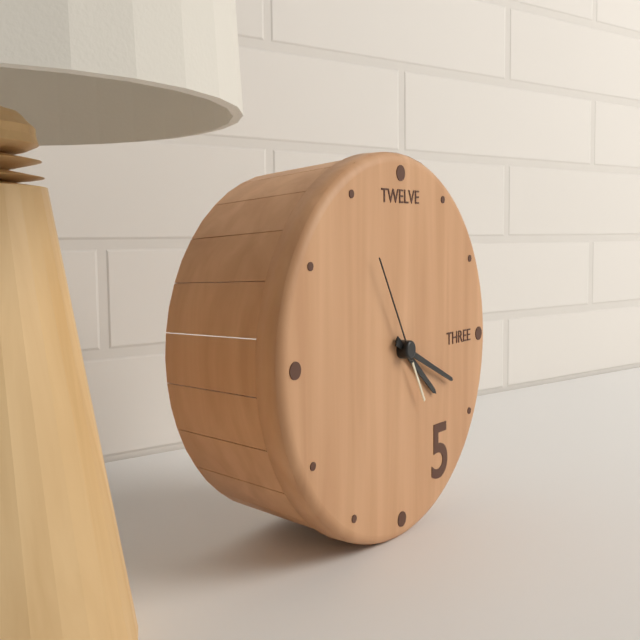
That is 4h19m55s
